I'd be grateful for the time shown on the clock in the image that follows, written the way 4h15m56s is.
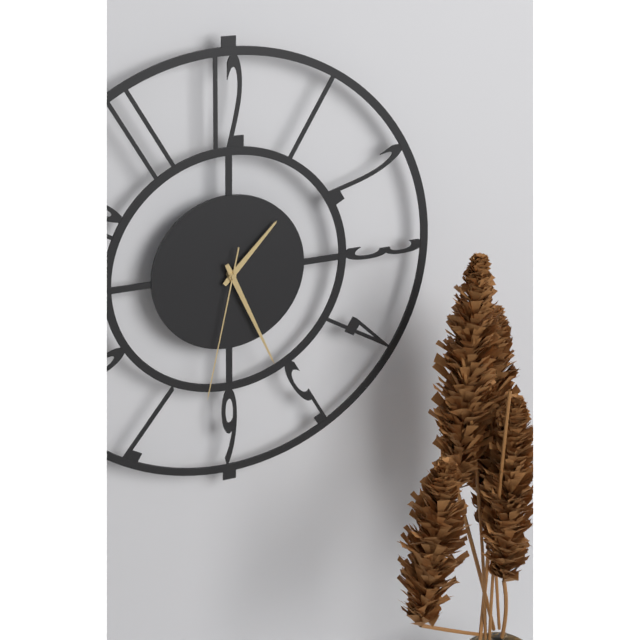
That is 1h26m32s
